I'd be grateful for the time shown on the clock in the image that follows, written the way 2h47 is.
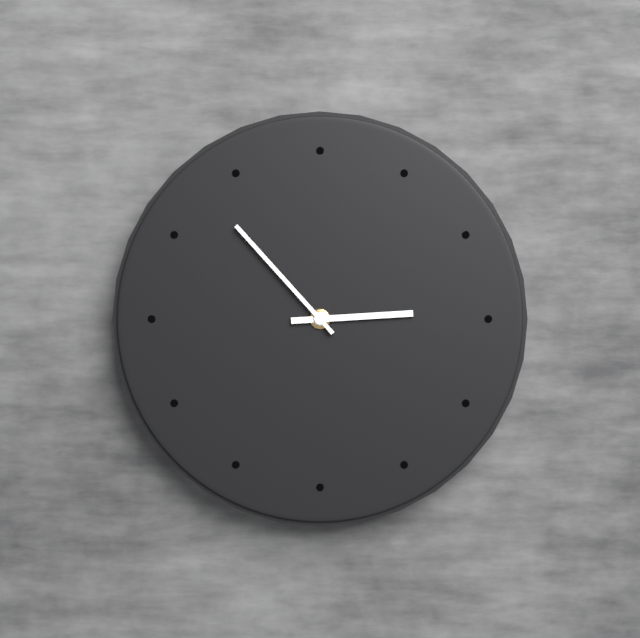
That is 2h53
